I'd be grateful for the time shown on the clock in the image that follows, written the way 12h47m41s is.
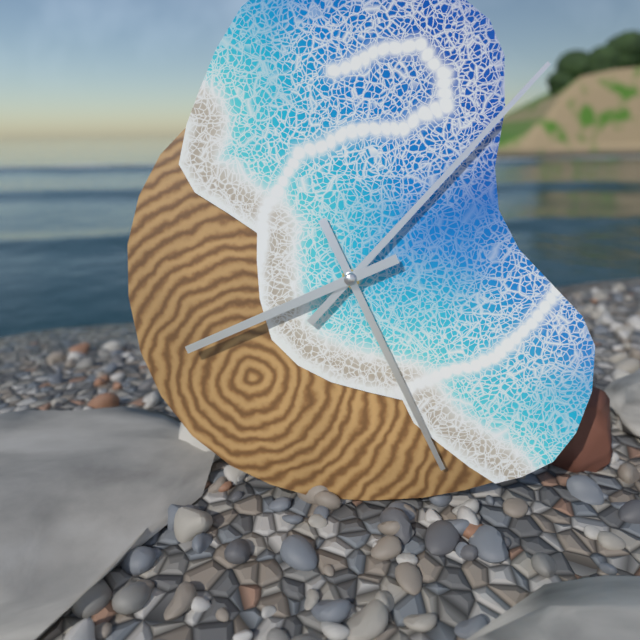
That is 5h07m41s
